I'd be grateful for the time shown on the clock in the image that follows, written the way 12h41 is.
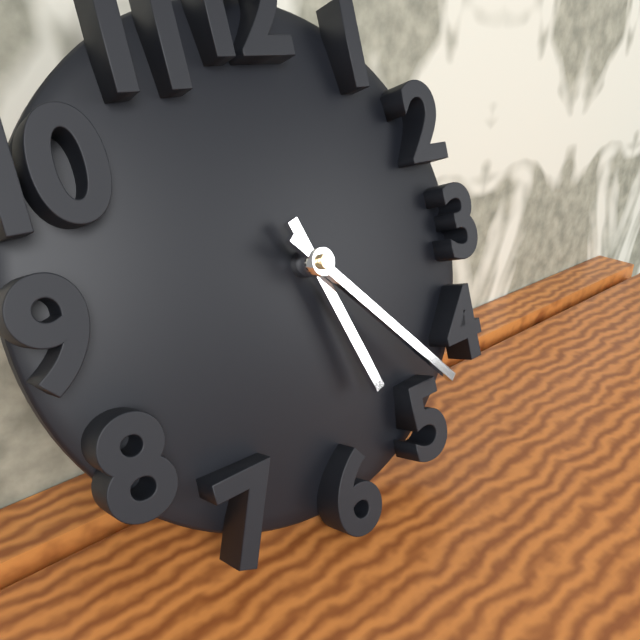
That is 5h23
